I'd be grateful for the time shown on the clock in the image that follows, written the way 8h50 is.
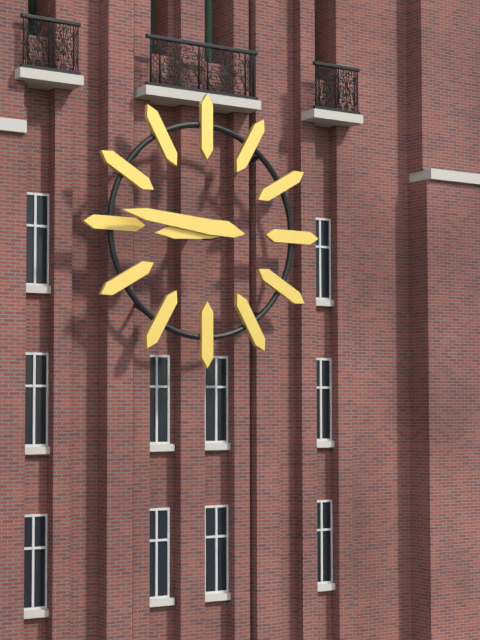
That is 8h46
